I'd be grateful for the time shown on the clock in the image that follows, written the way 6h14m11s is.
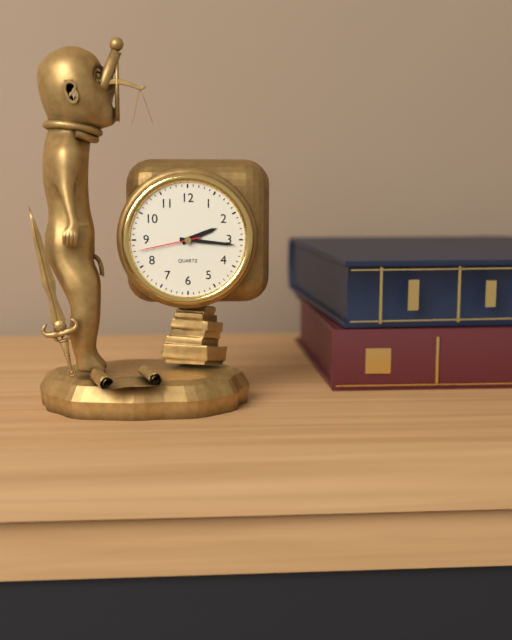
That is 2h16m43s
